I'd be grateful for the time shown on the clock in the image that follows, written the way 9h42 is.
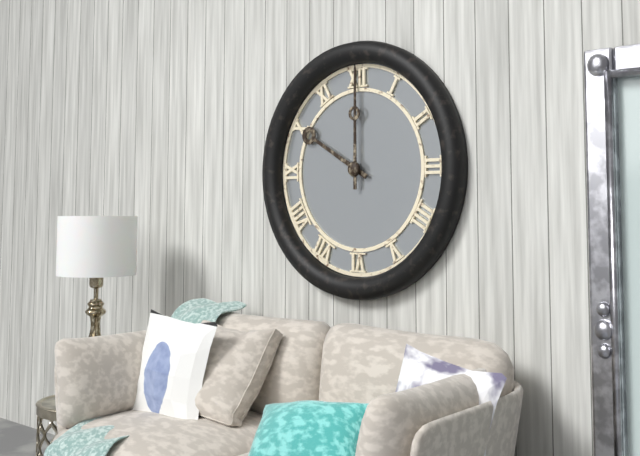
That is 10h00
